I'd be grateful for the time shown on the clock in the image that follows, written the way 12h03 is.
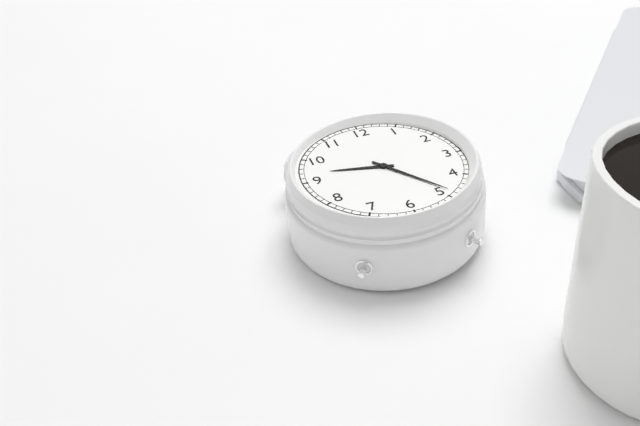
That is 9h24
